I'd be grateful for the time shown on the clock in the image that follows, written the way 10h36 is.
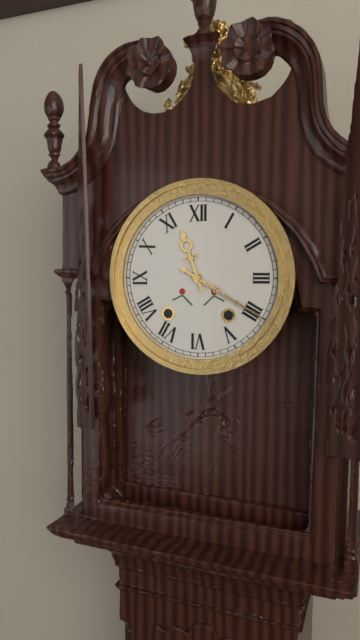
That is 11h20
